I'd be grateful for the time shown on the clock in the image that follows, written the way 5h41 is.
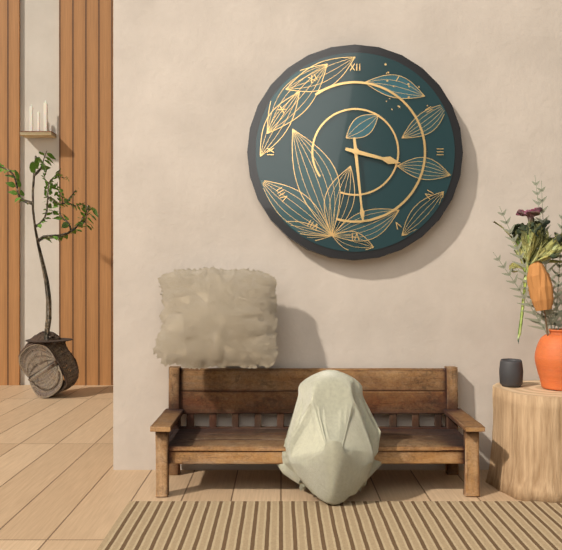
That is 3h29
